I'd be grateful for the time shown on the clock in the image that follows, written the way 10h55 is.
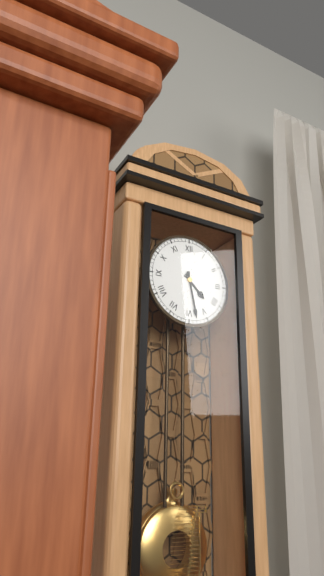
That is 4h28
